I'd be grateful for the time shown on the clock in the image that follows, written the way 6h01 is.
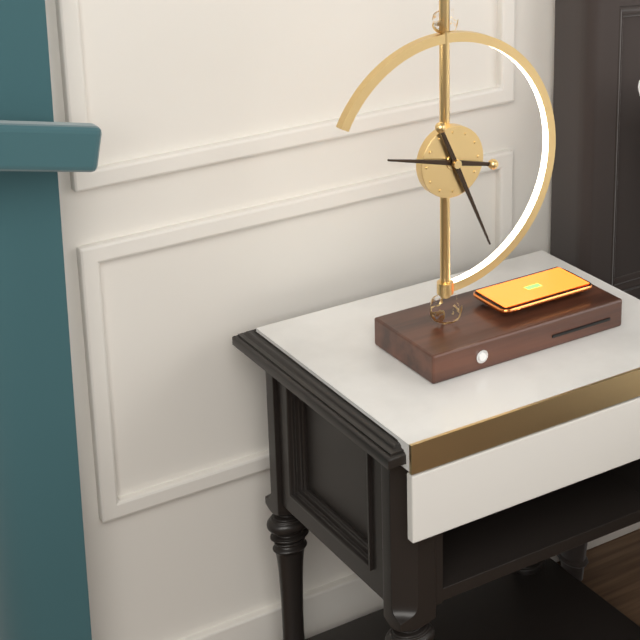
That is 9h26
